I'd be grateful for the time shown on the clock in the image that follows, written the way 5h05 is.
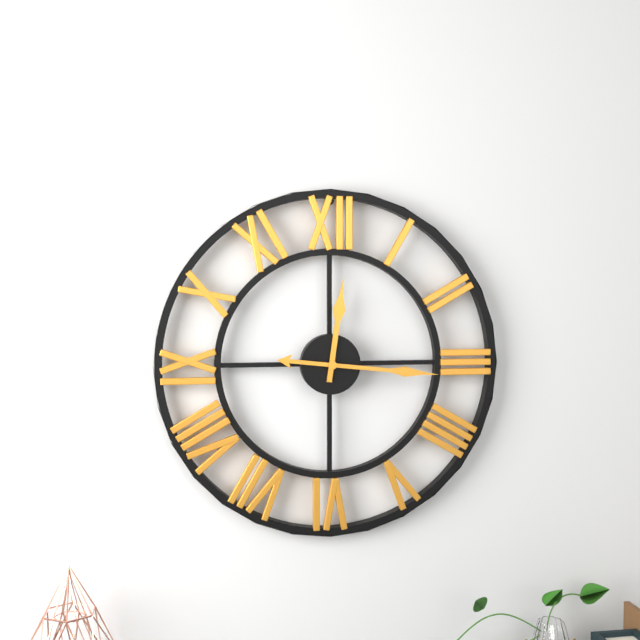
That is 12h16
